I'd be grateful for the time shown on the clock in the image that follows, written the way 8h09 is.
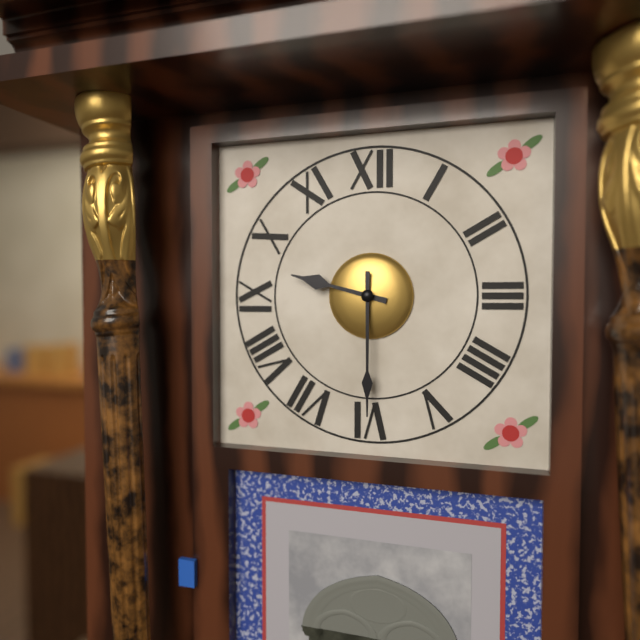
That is 9h30
